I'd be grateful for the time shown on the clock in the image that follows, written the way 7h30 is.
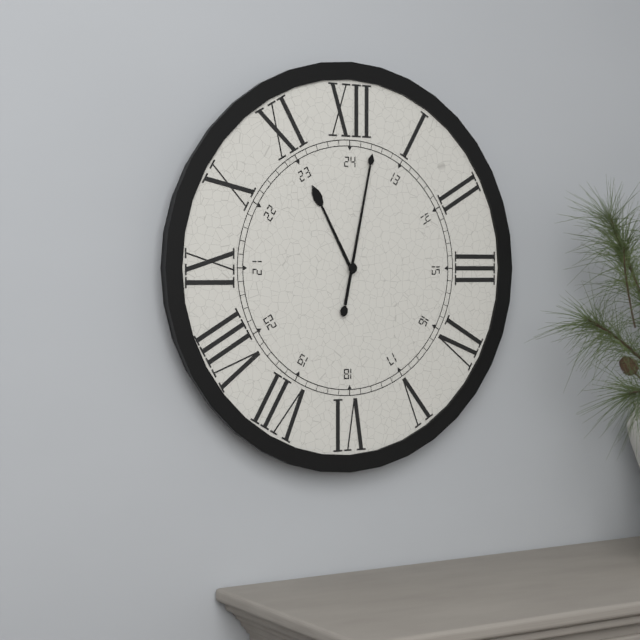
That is 11h02
